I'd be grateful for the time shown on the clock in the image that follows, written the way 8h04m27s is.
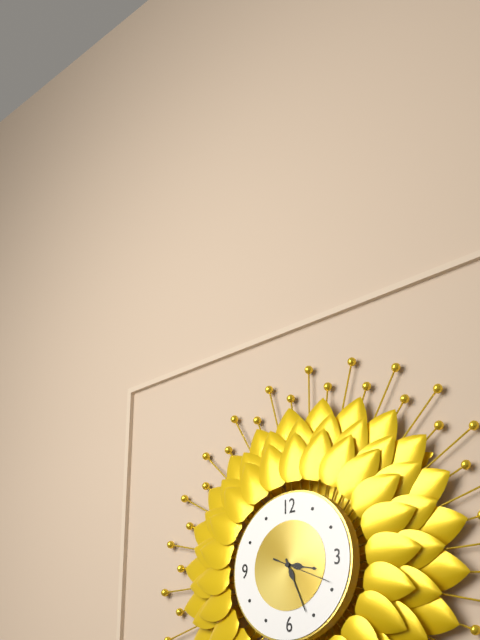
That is 3h26m19s
